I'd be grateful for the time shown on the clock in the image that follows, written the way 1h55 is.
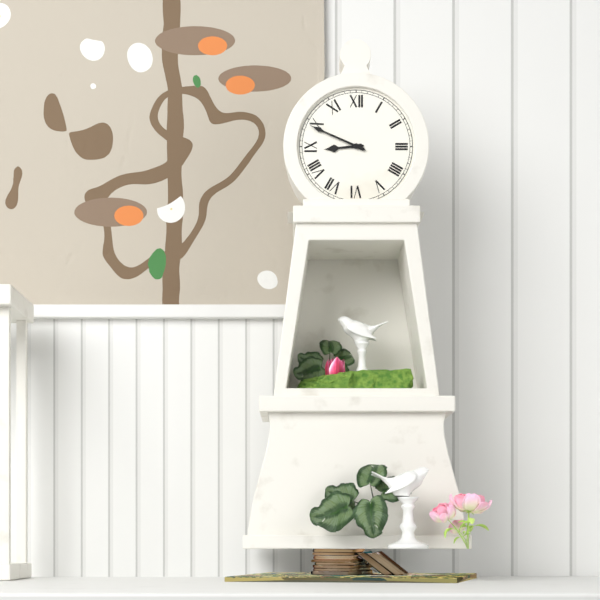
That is 8h49
